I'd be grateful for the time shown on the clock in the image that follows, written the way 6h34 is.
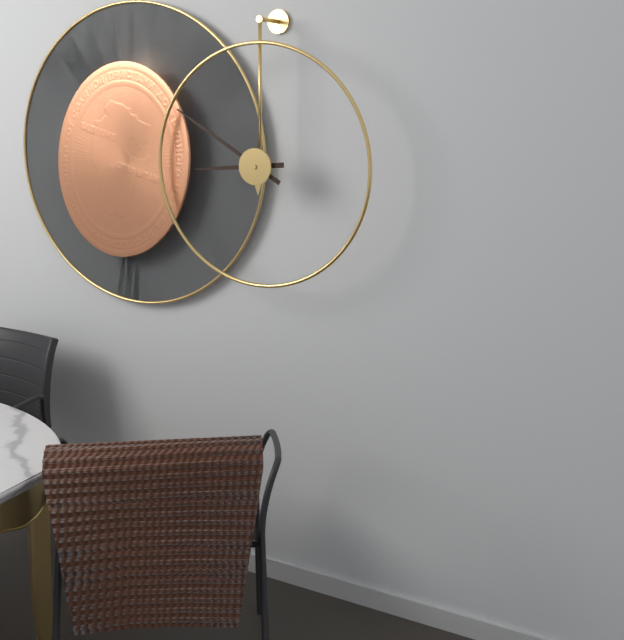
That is 8h50
